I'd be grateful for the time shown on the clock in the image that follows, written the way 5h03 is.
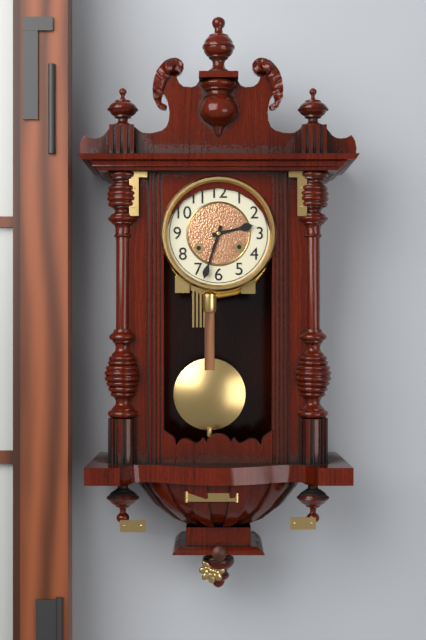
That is 2h33
